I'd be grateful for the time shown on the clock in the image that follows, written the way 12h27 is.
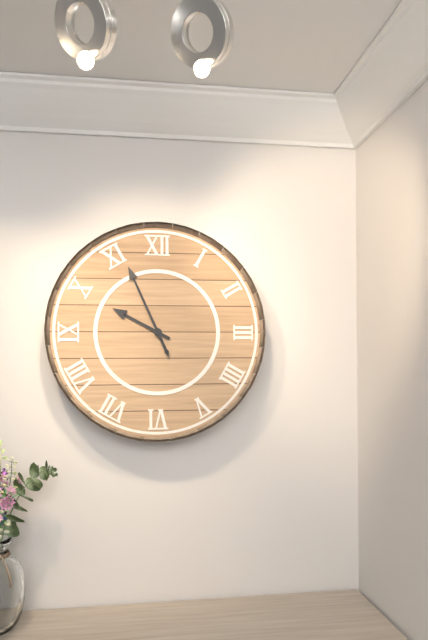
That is 9h56
